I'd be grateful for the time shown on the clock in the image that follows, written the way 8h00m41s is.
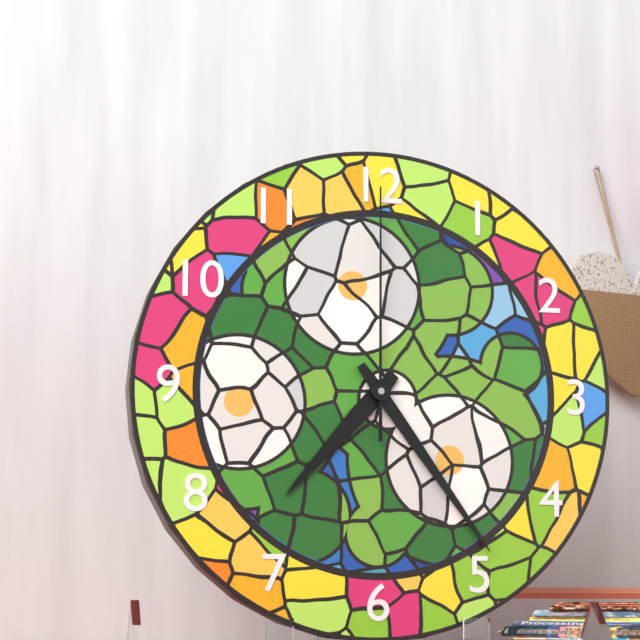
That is 7h24m00s
